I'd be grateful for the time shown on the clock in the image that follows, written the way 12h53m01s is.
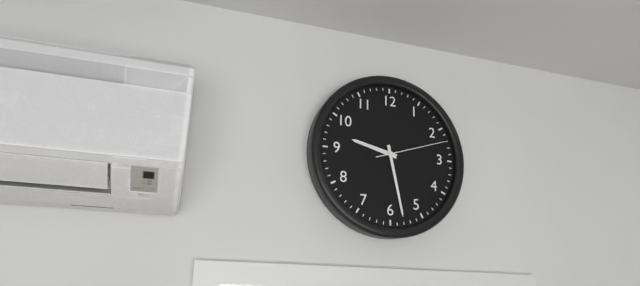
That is 9h28m12s
